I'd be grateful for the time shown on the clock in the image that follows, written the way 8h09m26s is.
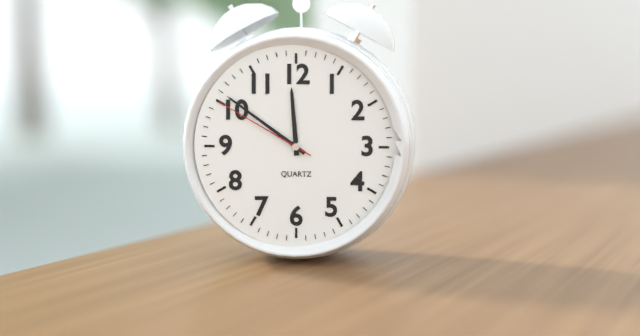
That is 11h51m50s
